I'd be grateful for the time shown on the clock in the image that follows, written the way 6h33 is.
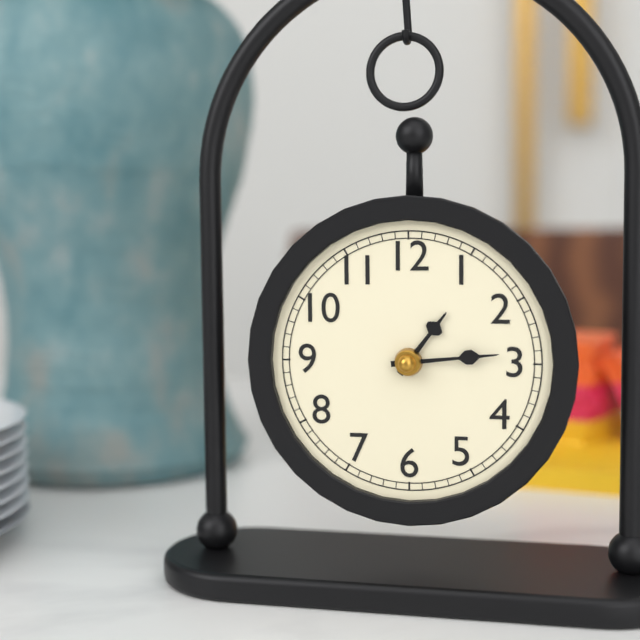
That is 1h14
